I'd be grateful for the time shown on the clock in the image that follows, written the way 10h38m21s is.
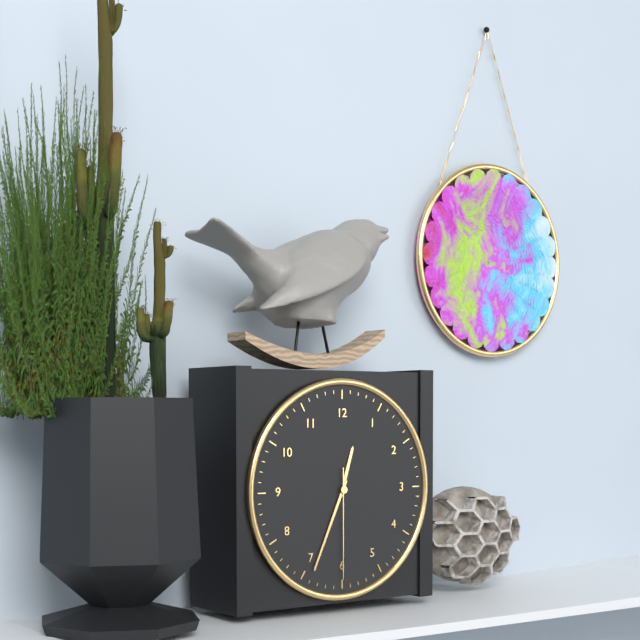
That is 12h34m30s
